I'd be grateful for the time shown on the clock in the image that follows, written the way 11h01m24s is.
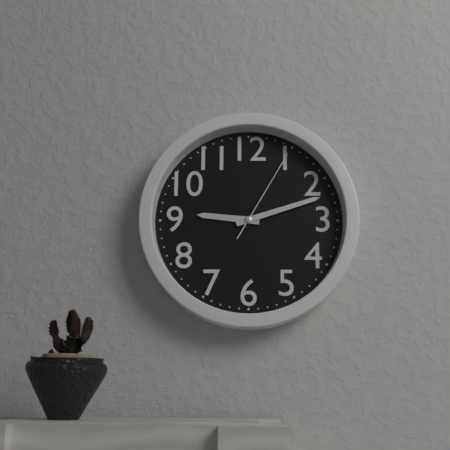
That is 9h12m05s
